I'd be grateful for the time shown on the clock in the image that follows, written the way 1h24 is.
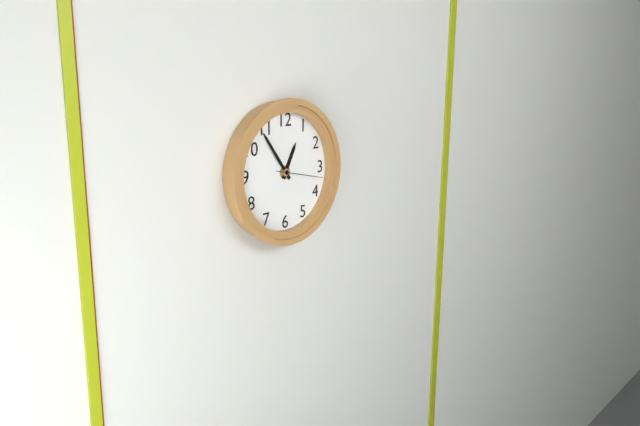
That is 12h54
